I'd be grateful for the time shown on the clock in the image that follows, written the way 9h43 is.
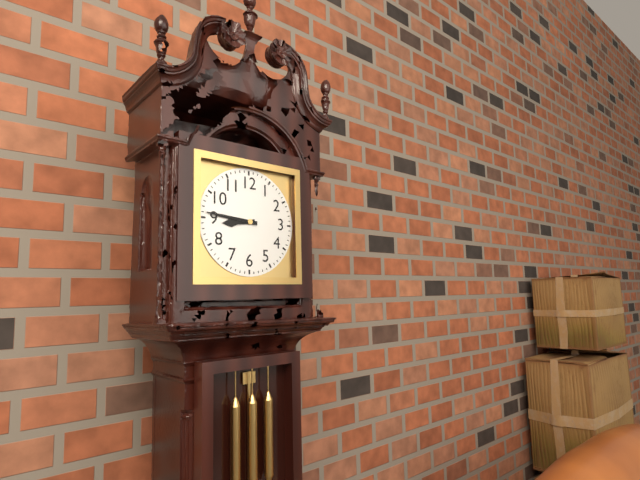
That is 8h46
